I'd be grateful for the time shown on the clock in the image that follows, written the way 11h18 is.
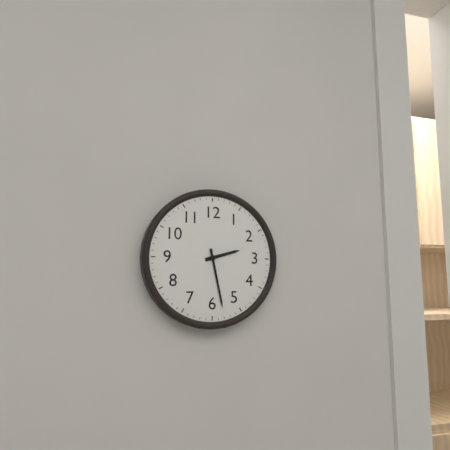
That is 2h28
